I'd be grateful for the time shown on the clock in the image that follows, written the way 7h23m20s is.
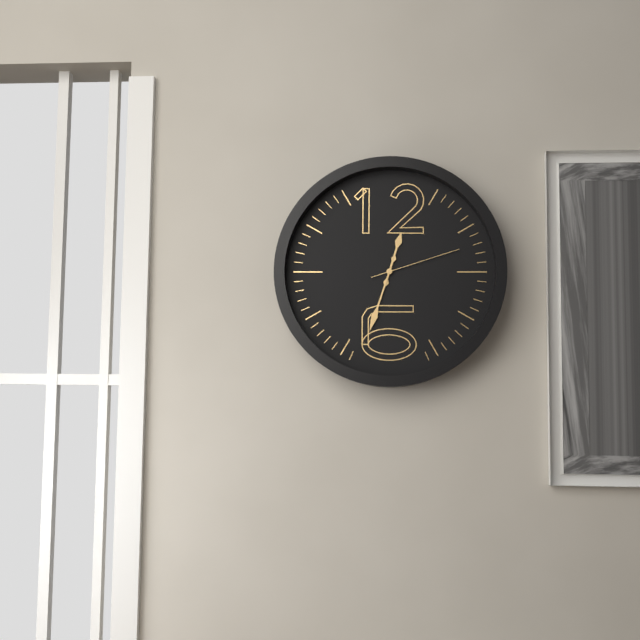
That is 12h33m12s
